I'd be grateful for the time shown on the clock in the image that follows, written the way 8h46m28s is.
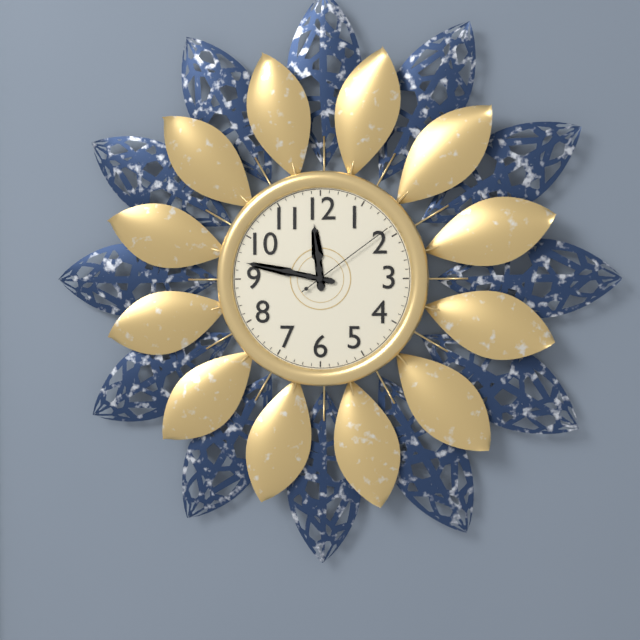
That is 11h47m09s
